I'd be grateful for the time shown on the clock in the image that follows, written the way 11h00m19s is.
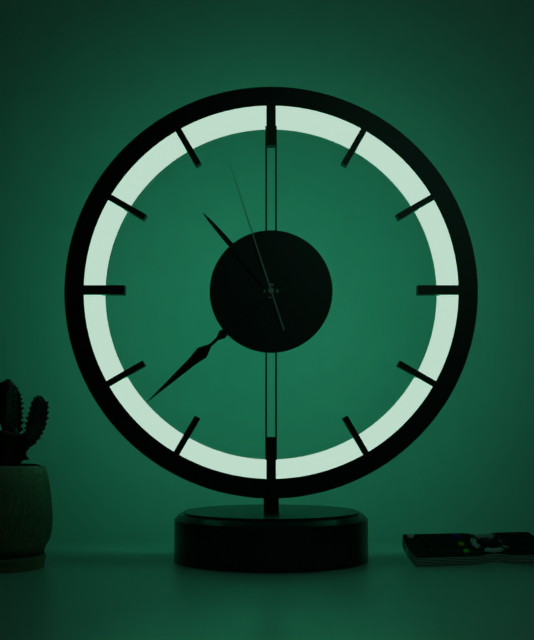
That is 10h38m57s
